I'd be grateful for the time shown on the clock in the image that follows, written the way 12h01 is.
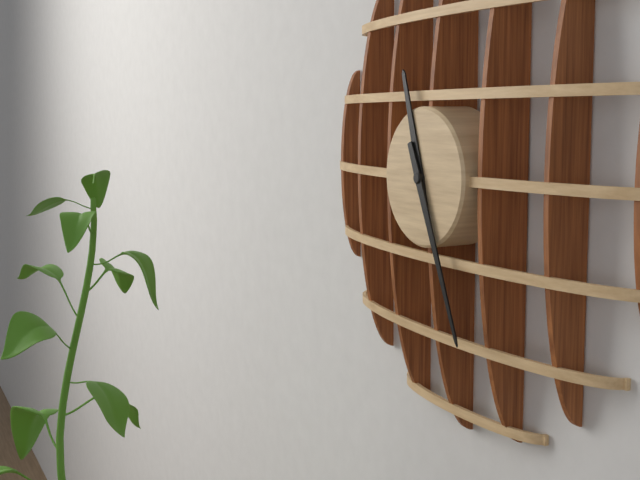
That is 11h26
